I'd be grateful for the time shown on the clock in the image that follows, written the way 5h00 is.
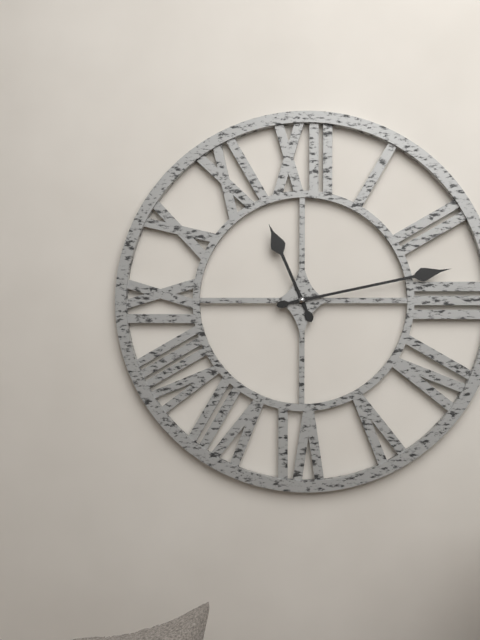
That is 11h13
